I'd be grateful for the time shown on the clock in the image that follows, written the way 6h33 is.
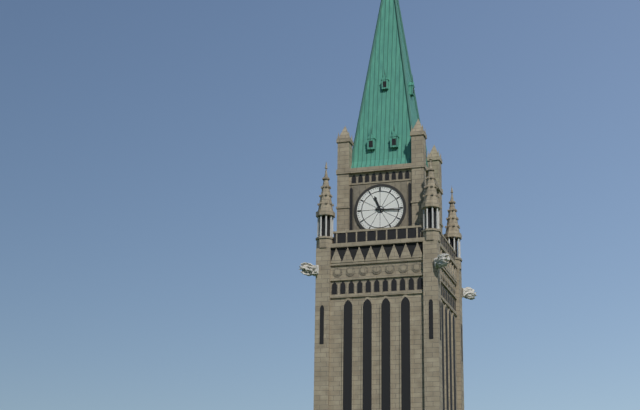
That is 11h16
